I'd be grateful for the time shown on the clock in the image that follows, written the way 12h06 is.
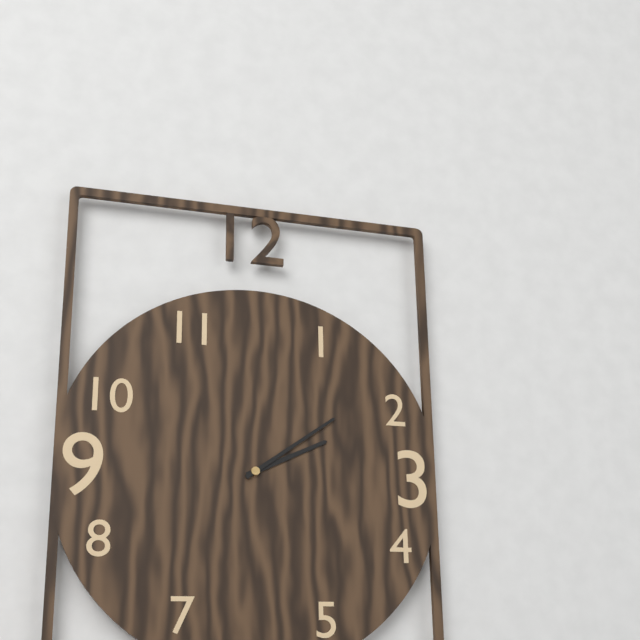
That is 2h09
